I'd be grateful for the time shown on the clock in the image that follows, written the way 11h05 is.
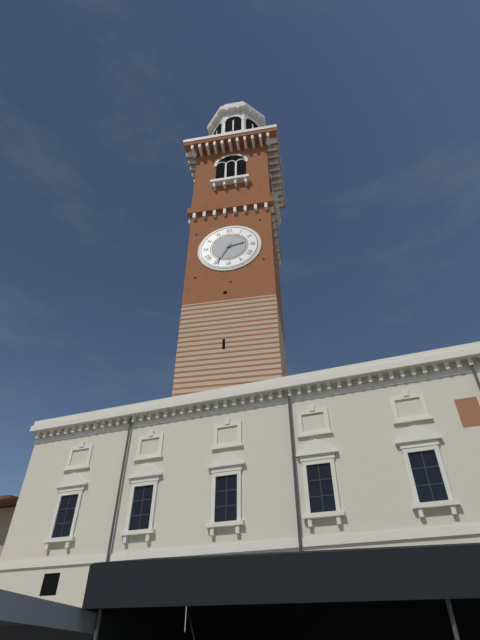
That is 2h35
